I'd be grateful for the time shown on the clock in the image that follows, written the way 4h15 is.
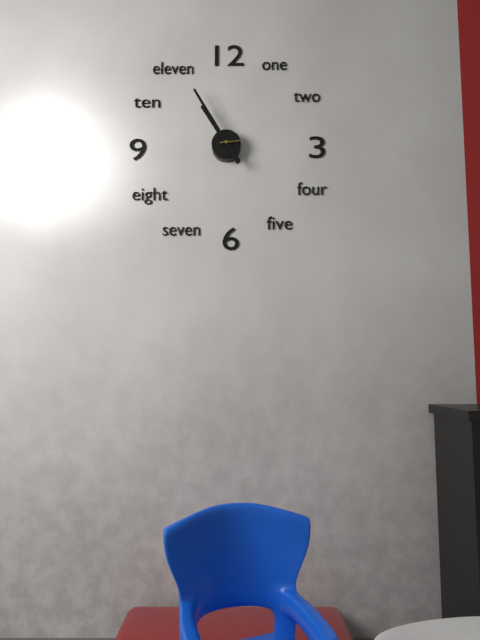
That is 10h55
